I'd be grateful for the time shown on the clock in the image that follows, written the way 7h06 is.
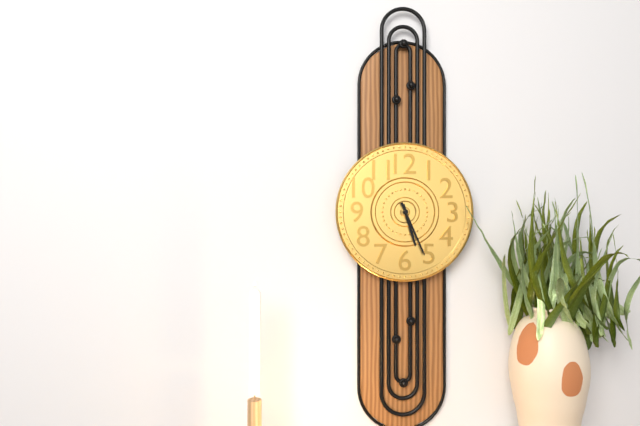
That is 5h26
